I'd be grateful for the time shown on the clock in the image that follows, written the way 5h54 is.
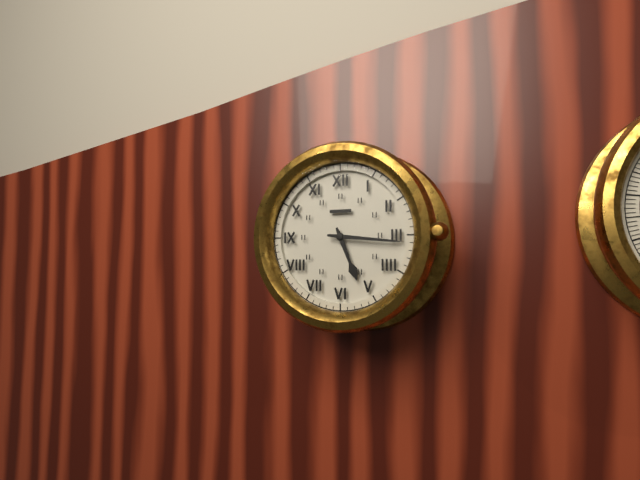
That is 5h16
